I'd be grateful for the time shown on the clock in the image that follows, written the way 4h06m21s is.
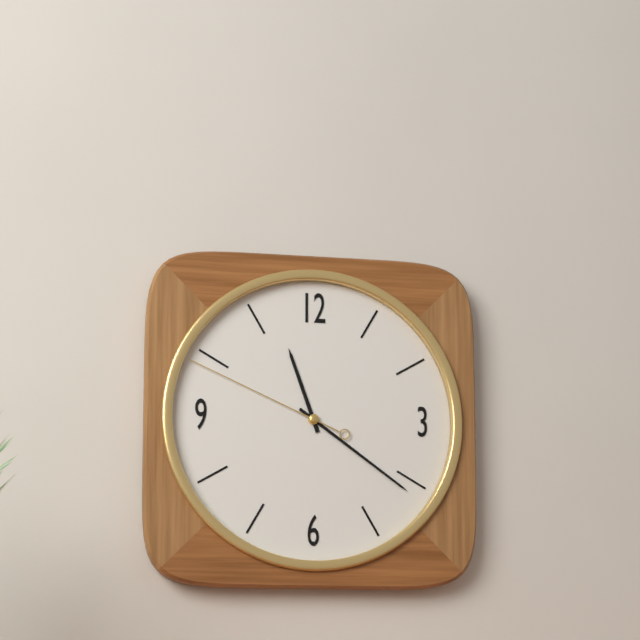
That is 11h21m49s
